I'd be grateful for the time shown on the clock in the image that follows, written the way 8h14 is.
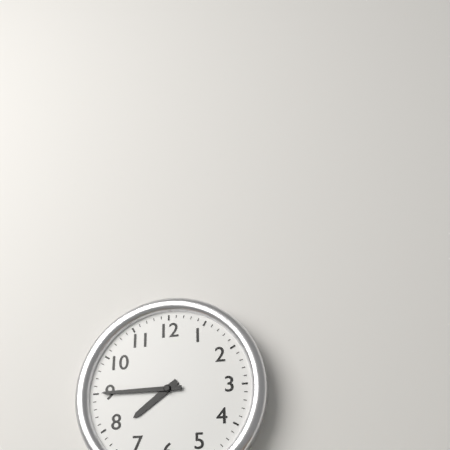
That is 7h45
